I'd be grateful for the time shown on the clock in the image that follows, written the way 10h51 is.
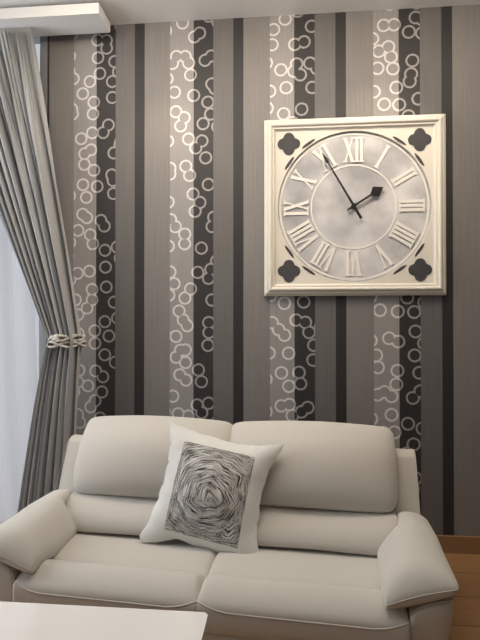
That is 1h55
